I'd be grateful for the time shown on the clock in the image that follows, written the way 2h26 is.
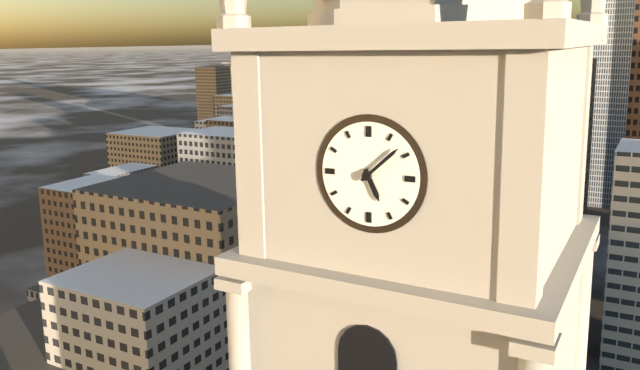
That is 5h08
